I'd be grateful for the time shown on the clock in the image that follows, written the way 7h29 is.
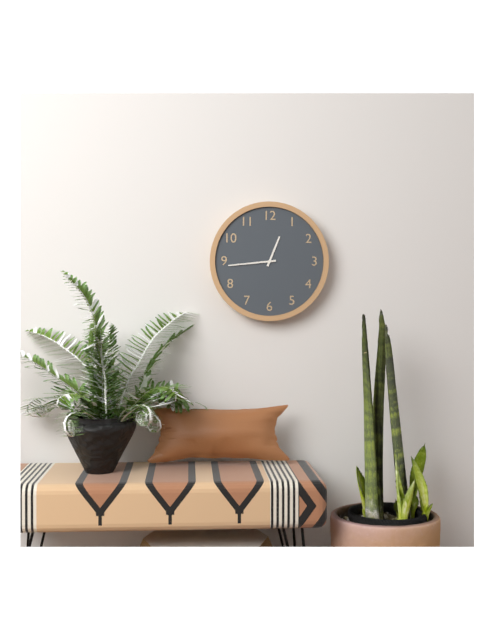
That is 12h44
